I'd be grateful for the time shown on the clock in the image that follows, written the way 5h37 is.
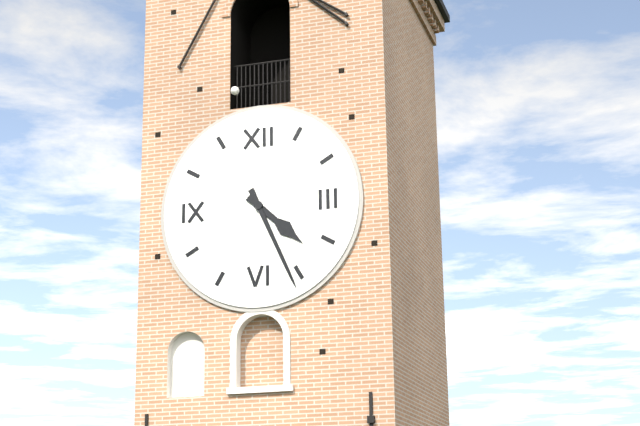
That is 4h26
